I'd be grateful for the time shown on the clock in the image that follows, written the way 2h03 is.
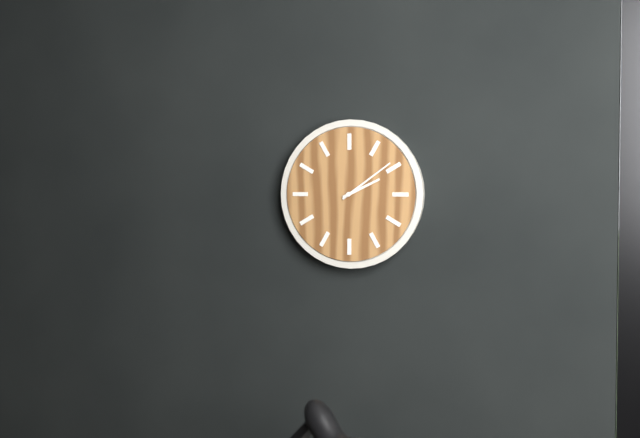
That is 2h09
